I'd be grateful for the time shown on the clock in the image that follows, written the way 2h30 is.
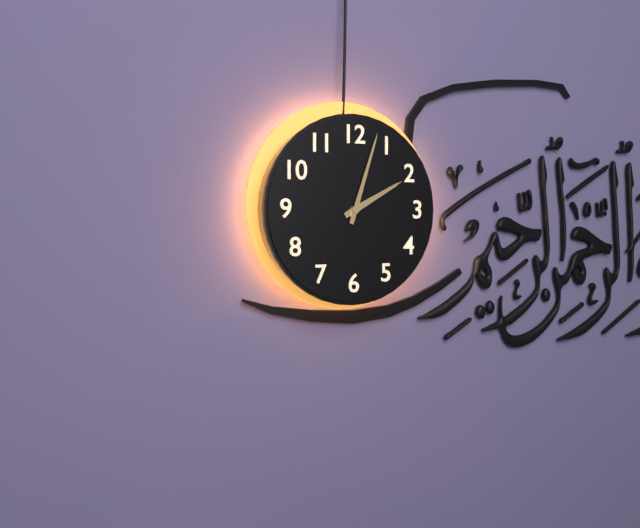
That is 2h03
